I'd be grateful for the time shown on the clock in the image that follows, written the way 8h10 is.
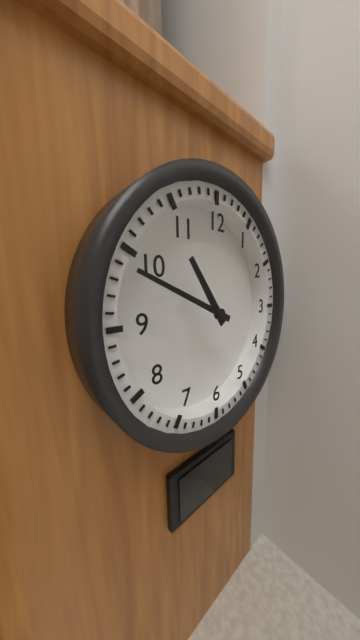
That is 10h49
